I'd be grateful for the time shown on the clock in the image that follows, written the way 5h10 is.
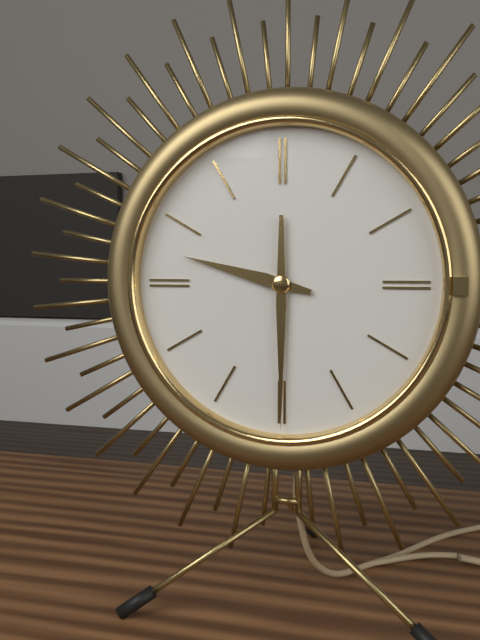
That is 9h30
